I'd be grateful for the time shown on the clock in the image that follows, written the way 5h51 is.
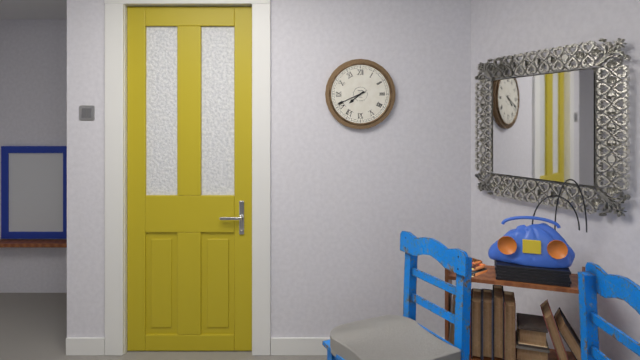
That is 7h41
